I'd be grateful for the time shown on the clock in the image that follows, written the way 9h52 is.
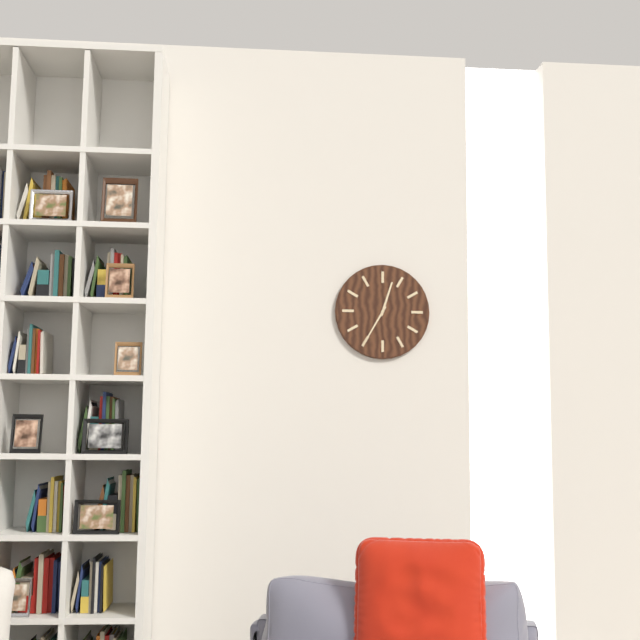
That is 12h35
